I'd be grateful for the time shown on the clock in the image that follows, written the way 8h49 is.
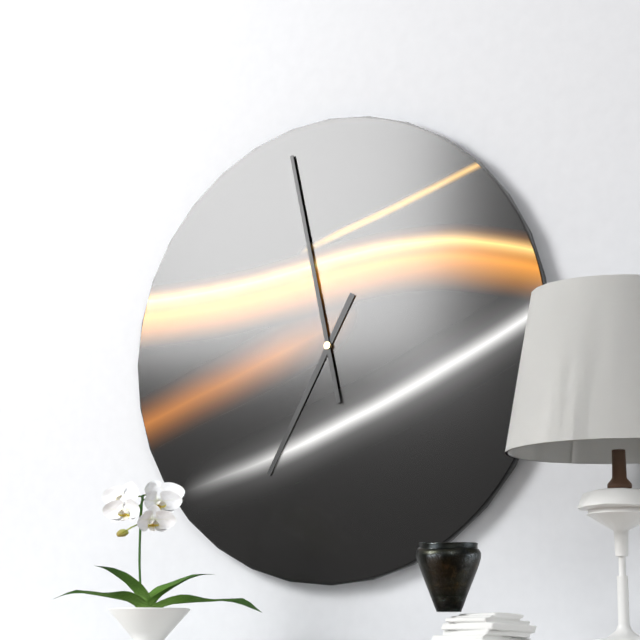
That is 6h58
